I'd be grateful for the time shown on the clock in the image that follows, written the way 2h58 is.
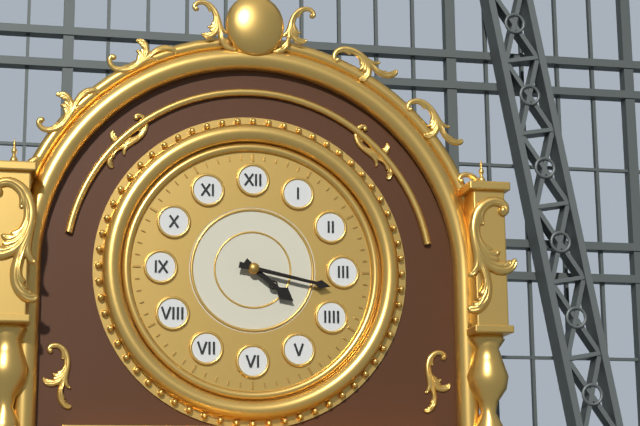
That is 4h17
